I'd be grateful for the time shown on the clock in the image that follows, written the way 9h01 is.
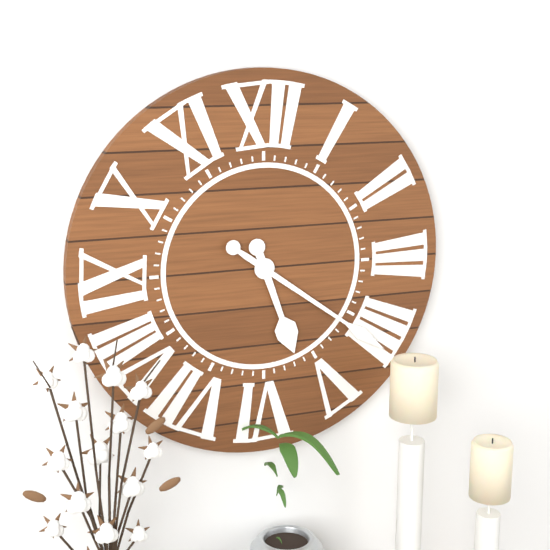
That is 5h21
